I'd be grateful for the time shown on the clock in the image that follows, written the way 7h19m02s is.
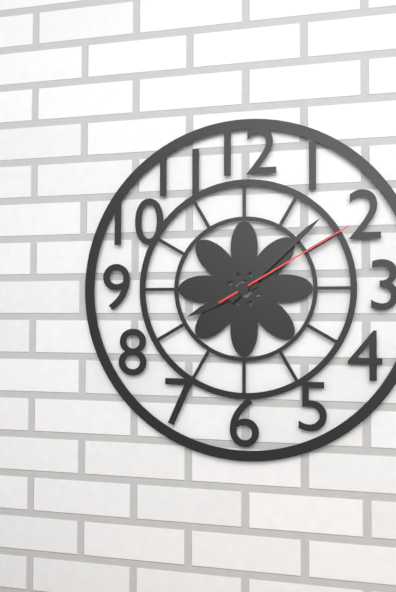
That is 8h08m10s
